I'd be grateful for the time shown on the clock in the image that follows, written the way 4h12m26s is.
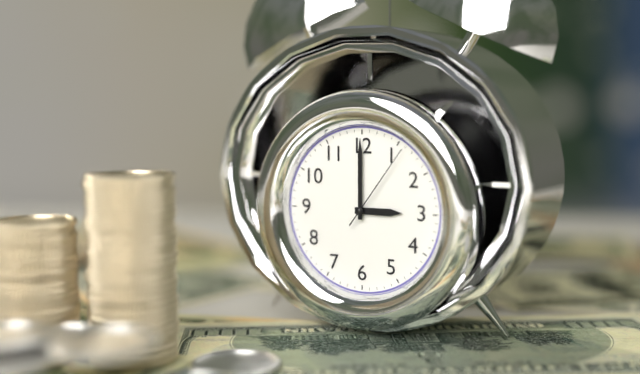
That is 3h00m06s
